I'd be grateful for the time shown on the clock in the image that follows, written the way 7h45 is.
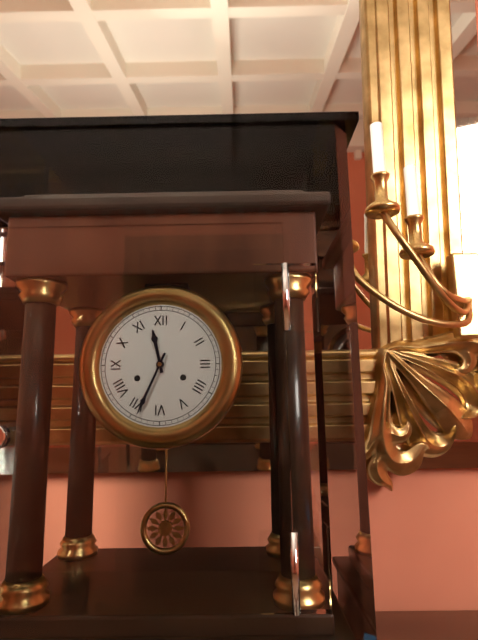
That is 11h34
